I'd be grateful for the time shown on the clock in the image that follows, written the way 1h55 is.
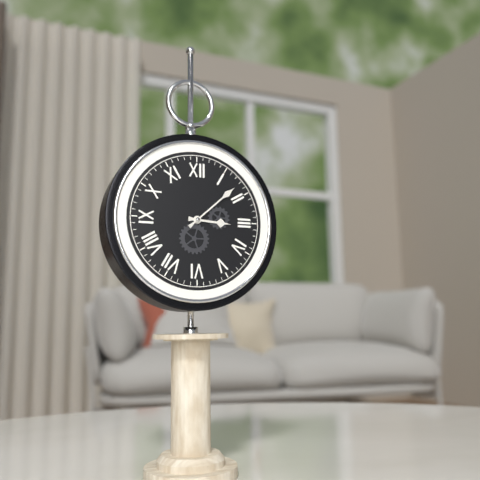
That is 3h08
